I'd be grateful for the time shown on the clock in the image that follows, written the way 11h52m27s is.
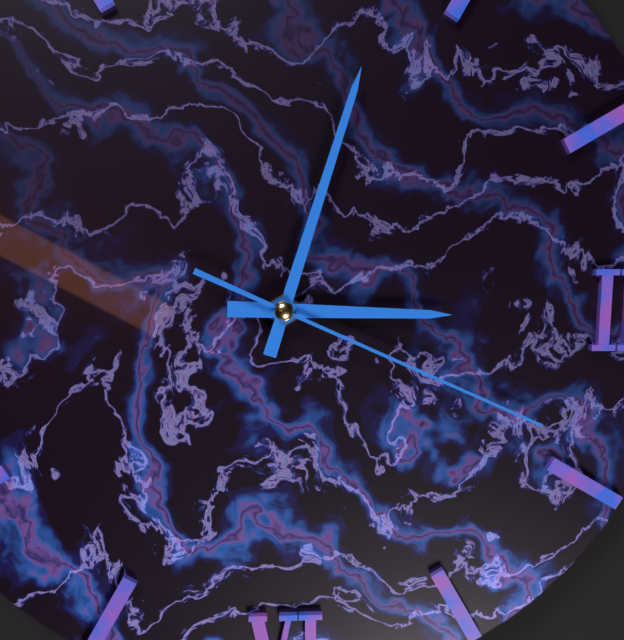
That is 3h03m19s
